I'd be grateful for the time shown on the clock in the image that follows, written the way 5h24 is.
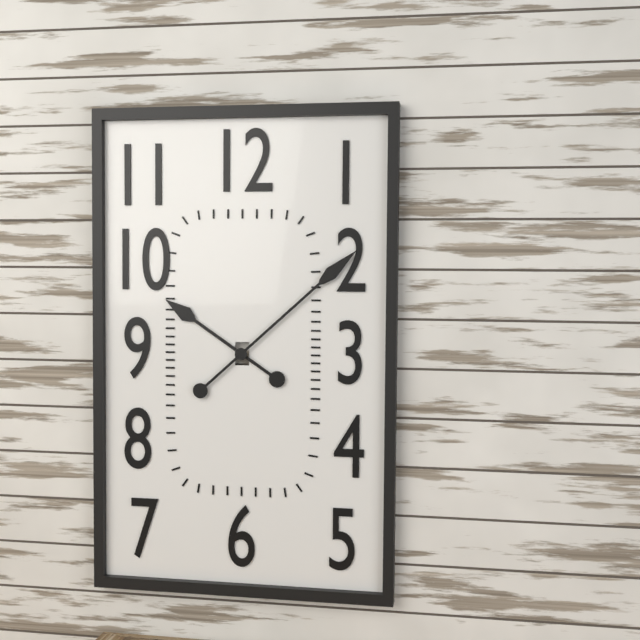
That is 10h08
